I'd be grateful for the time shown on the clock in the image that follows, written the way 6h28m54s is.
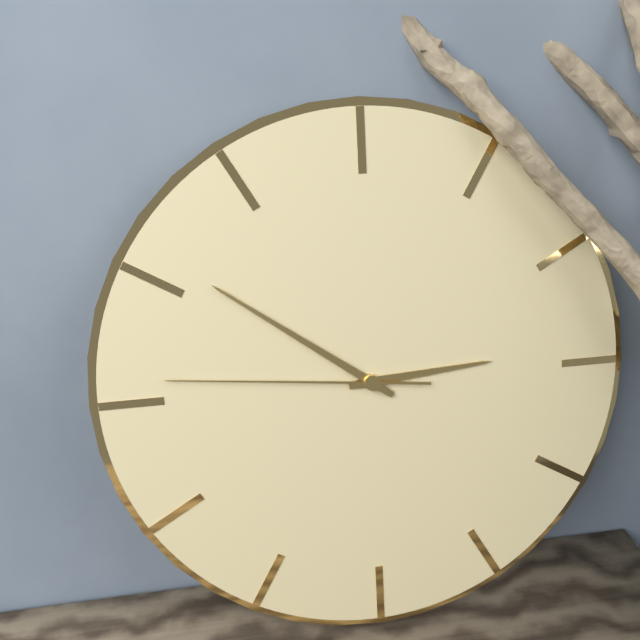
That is 2h51m46s
